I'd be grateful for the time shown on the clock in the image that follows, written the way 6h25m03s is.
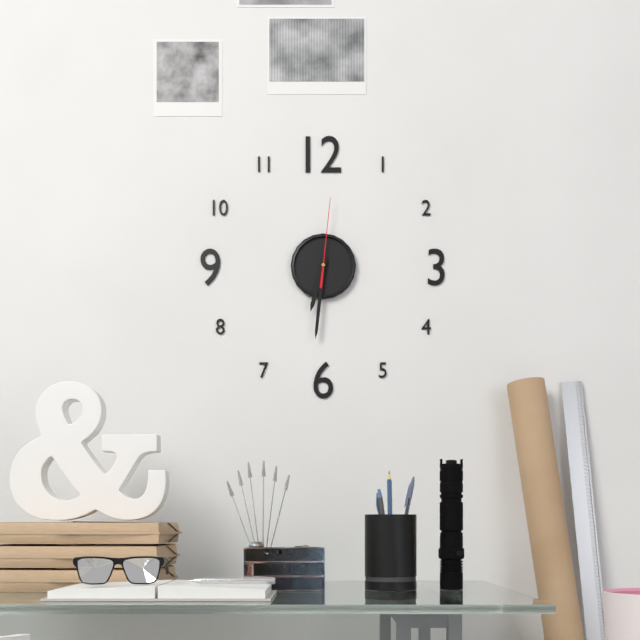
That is 6h31m01s
